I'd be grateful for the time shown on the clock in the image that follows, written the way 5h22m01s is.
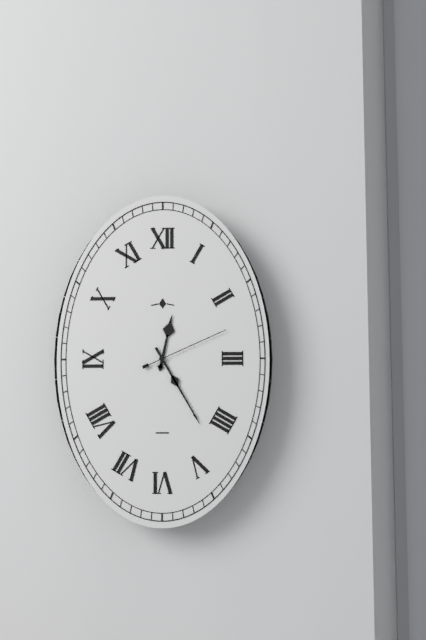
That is 12h25m11s
